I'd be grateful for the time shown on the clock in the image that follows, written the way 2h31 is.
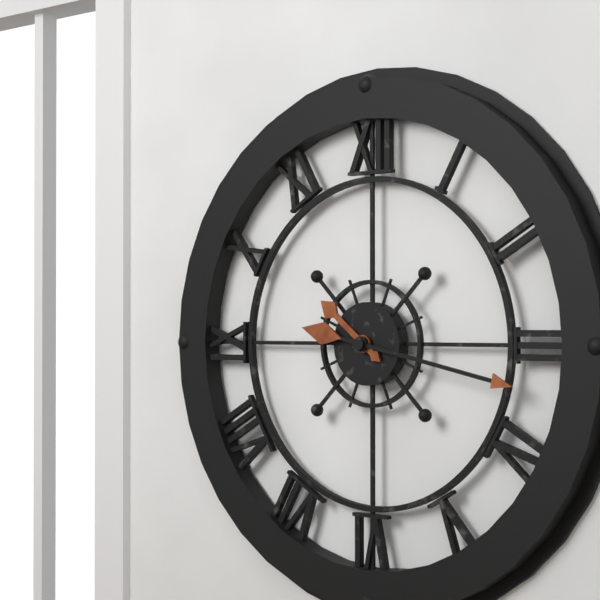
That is 10h17
